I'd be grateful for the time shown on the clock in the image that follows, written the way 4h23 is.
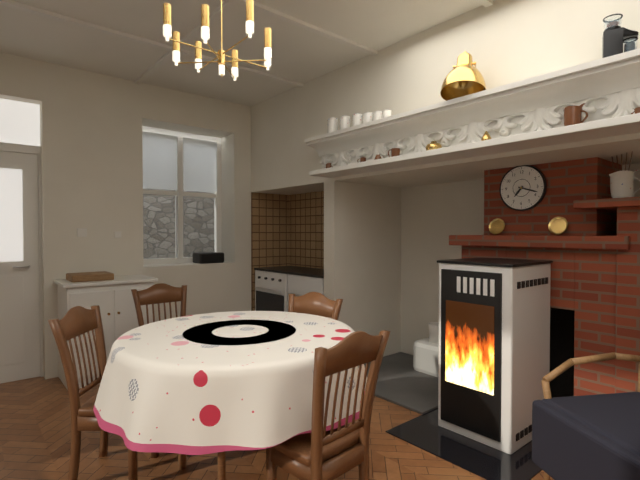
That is 7h18
